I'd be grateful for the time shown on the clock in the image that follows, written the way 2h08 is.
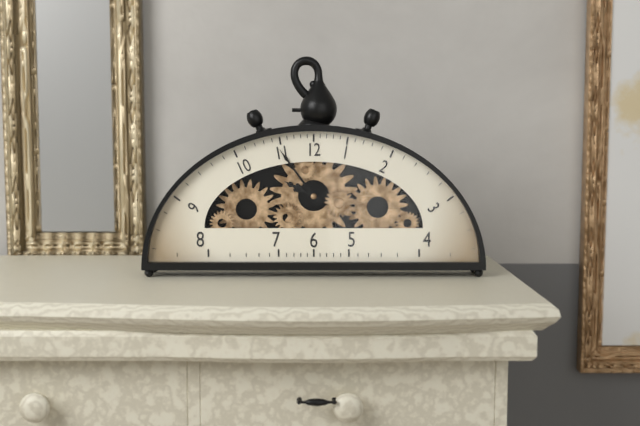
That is 9h54
